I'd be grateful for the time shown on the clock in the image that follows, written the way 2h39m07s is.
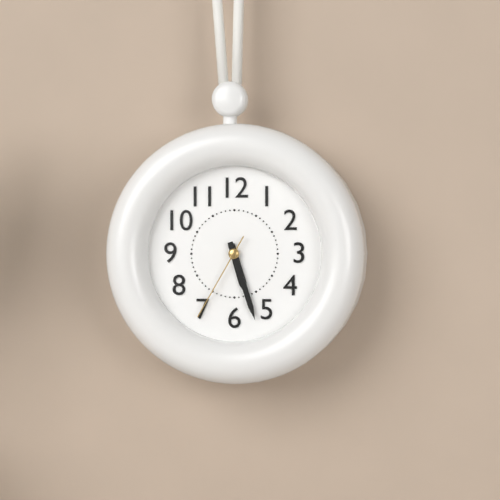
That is 5h27m35s
